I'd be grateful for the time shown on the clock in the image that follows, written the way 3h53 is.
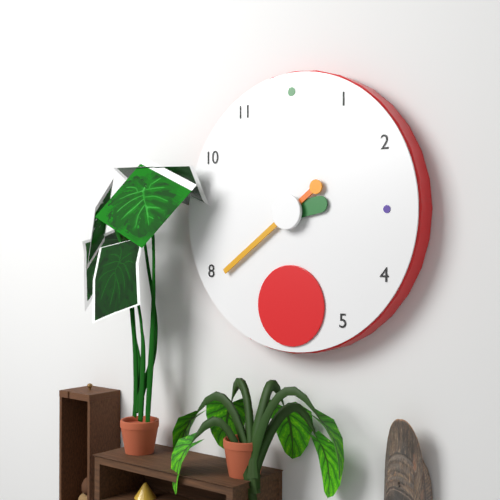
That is 2h39
